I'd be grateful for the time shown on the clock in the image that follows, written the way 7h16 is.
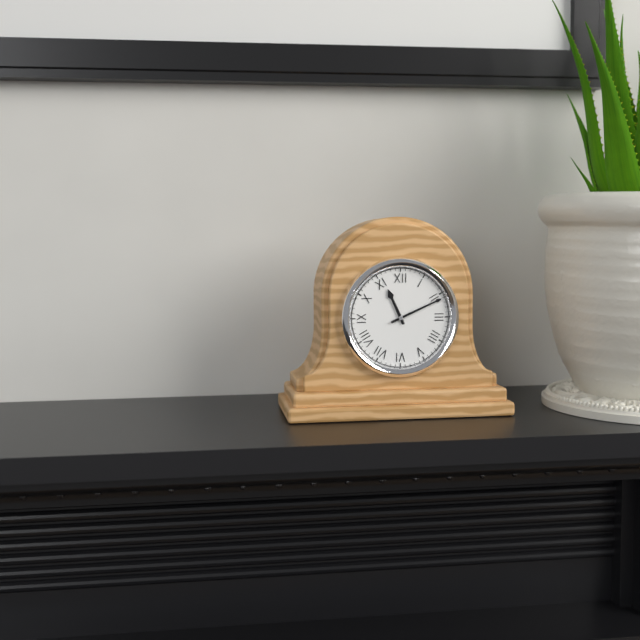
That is 11h11
